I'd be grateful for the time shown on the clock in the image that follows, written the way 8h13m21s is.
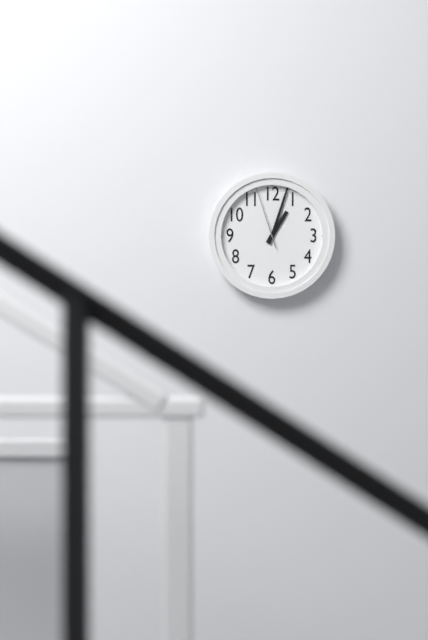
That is 1h03m57s
